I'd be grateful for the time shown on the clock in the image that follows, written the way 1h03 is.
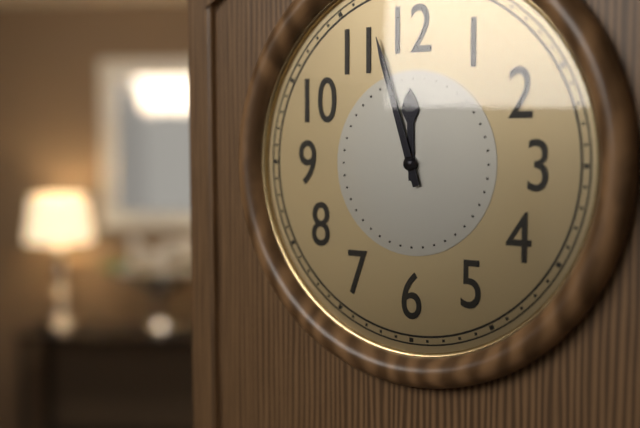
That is 11h57
